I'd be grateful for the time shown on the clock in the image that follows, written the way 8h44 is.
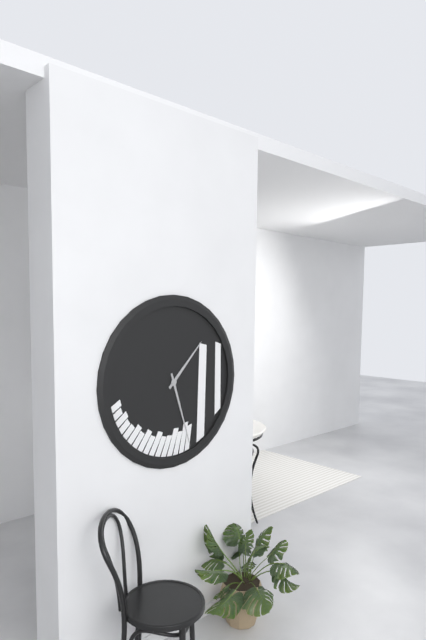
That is 1h27
